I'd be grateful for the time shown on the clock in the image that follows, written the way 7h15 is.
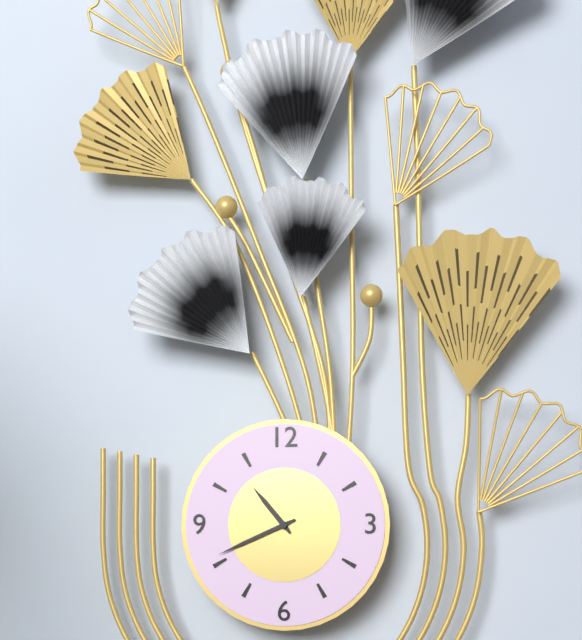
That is 10h41
